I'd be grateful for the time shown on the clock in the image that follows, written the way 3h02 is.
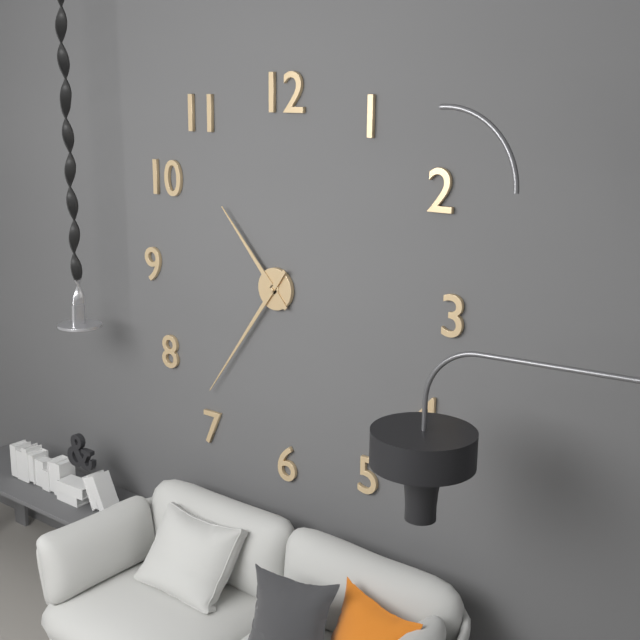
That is 10h36
